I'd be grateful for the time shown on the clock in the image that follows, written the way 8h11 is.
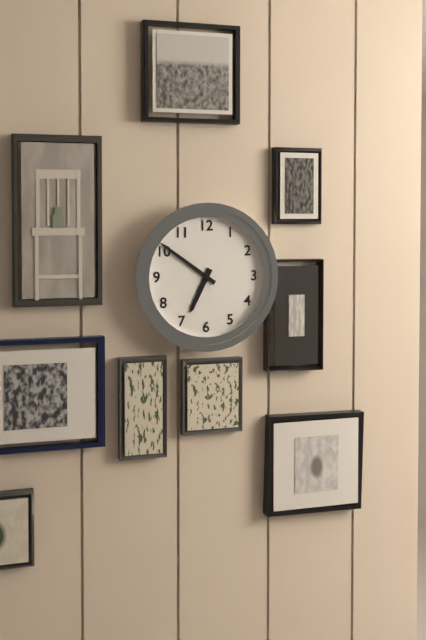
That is 6h51
